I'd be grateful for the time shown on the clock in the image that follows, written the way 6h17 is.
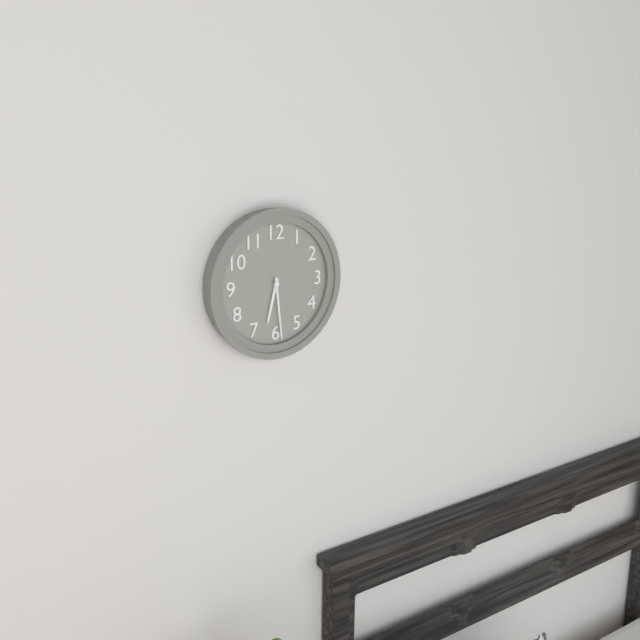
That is 6h29
